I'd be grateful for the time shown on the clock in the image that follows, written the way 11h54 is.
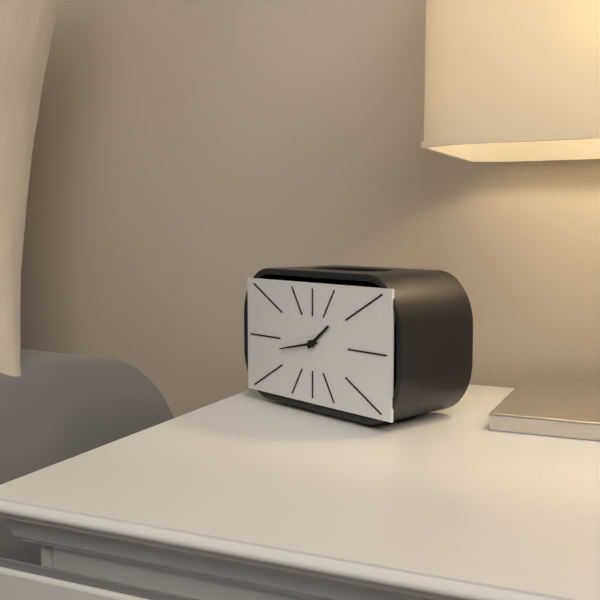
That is 1h43
